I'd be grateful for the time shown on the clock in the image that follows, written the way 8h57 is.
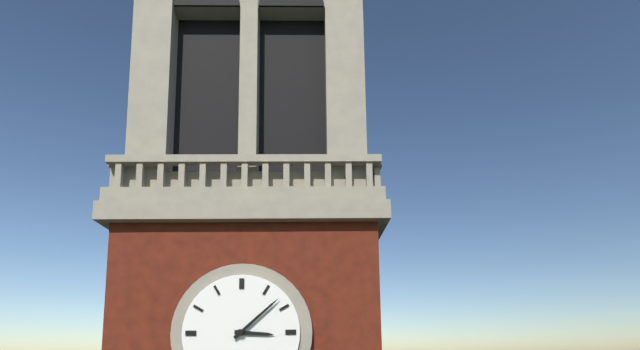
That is 3h08
